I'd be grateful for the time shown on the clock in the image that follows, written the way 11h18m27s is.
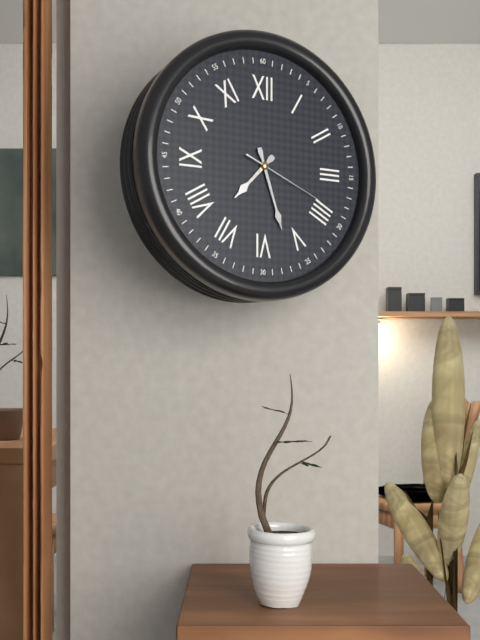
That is 7h27m19s
